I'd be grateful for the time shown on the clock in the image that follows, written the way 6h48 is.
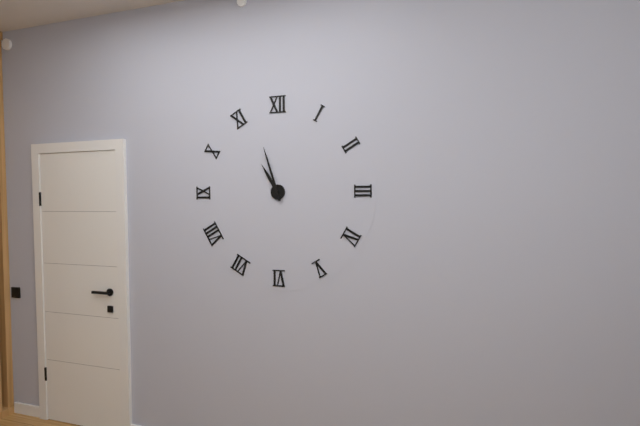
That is 10h57
